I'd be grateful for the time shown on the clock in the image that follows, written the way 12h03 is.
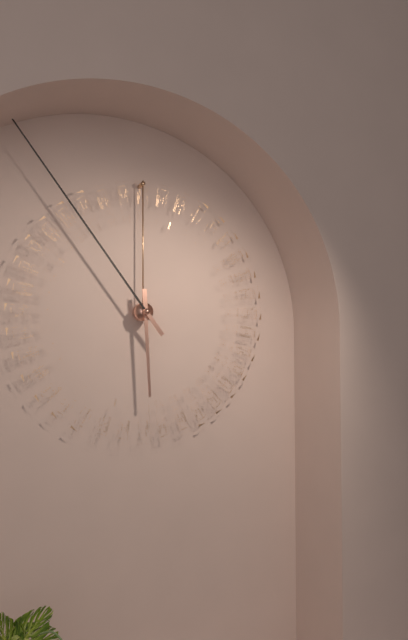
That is 5h54
